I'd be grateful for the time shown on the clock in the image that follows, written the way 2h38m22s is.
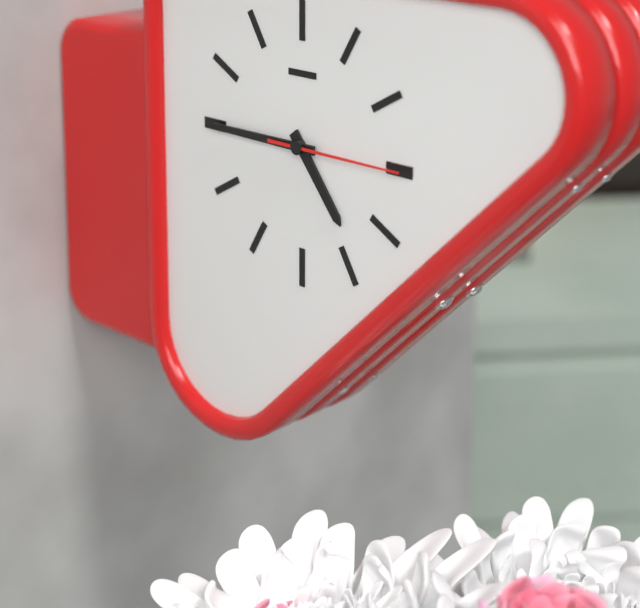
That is 4h45m15s
